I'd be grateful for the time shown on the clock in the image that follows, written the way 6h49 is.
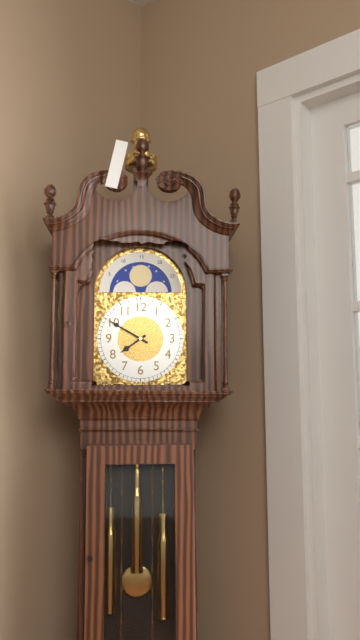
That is 7h50
